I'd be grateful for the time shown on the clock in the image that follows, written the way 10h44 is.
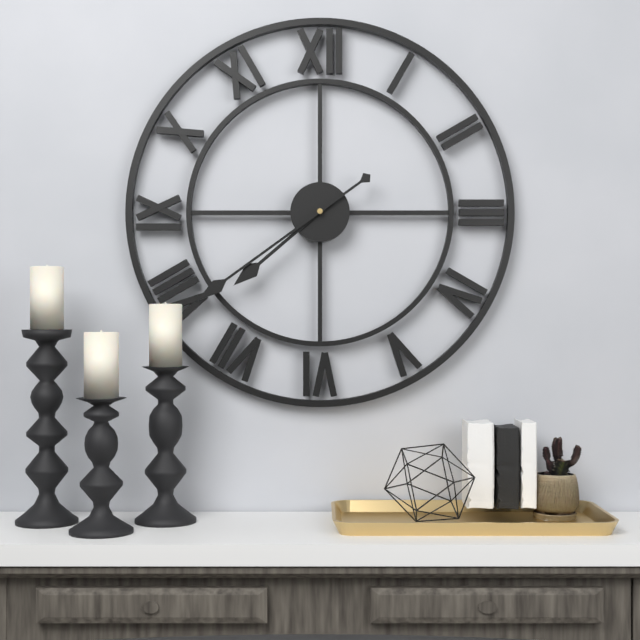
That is 7h39
